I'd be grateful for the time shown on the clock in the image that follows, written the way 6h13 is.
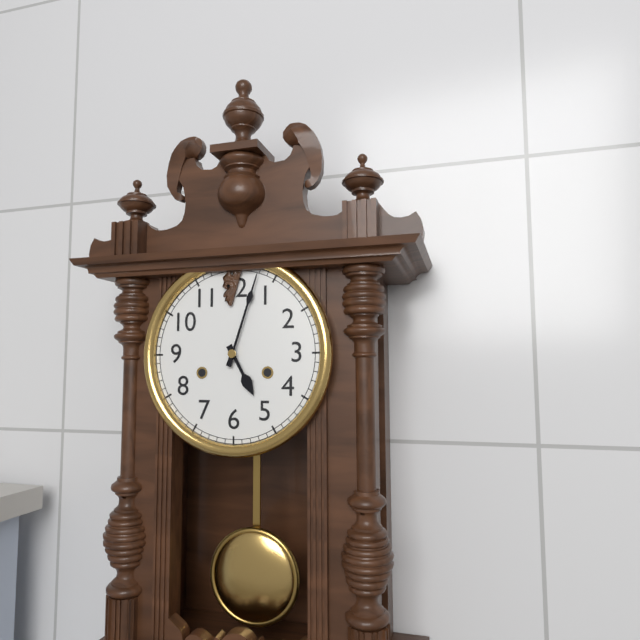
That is 5h03
